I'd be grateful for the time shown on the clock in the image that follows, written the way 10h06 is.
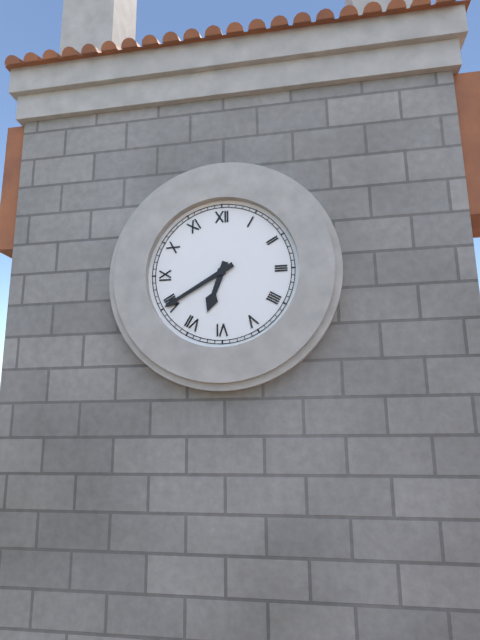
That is 6h40
